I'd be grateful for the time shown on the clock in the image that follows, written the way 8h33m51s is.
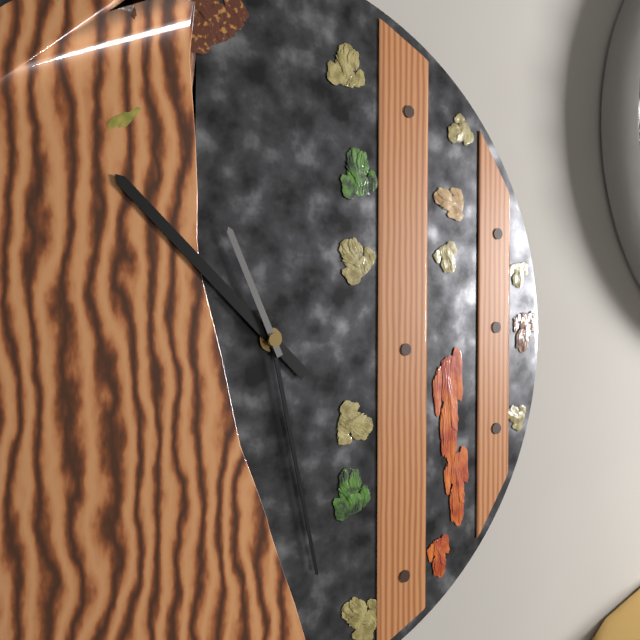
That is 10h28m56s
